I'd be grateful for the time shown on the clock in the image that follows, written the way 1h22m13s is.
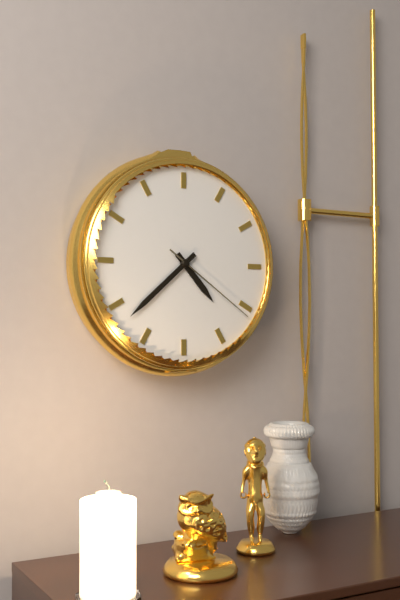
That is 4h38m21s
